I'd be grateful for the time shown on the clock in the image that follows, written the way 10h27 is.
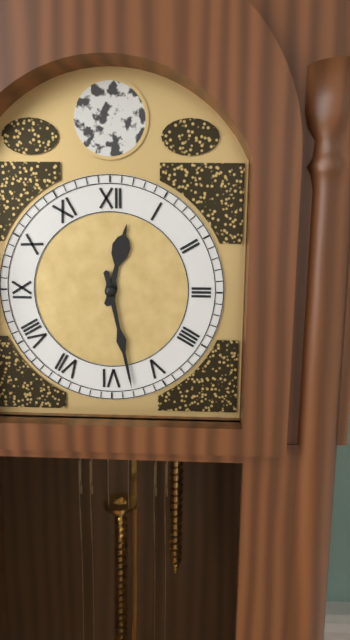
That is 12h28
